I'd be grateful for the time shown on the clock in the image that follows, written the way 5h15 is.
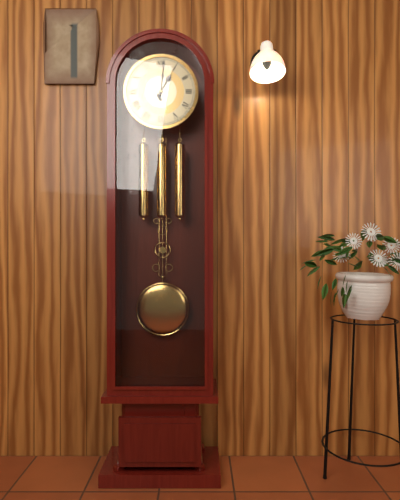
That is 1h01
